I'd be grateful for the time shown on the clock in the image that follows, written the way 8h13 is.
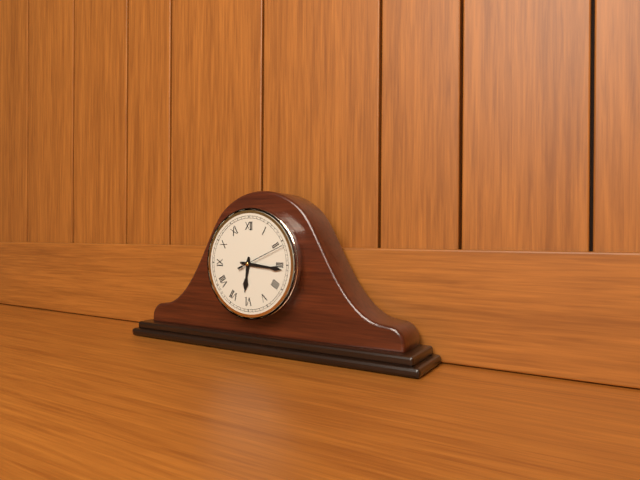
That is 6h16
